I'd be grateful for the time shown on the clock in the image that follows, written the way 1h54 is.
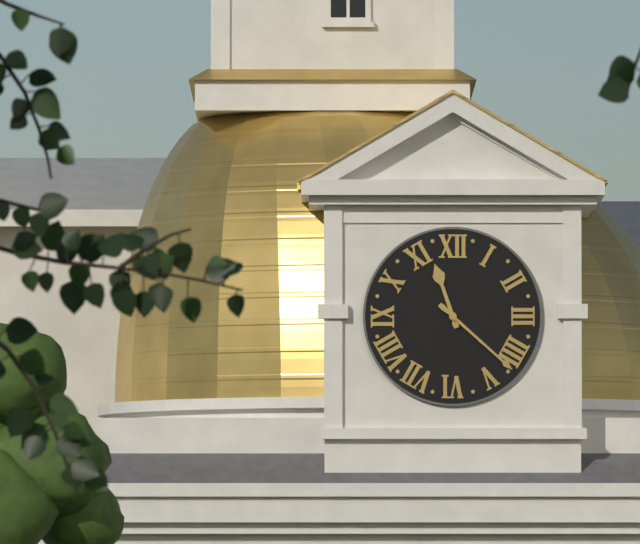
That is 11h22
